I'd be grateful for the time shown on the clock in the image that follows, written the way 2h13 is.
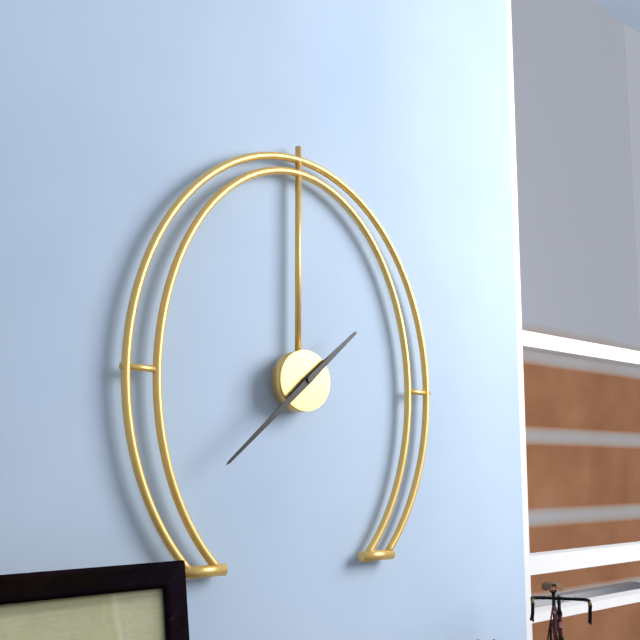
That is 1h38
